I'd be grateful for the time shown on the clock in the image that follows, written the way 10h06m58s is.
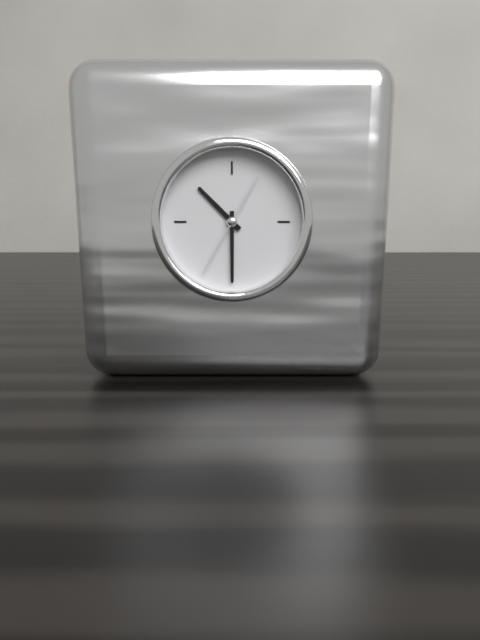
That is 10h30m35s
